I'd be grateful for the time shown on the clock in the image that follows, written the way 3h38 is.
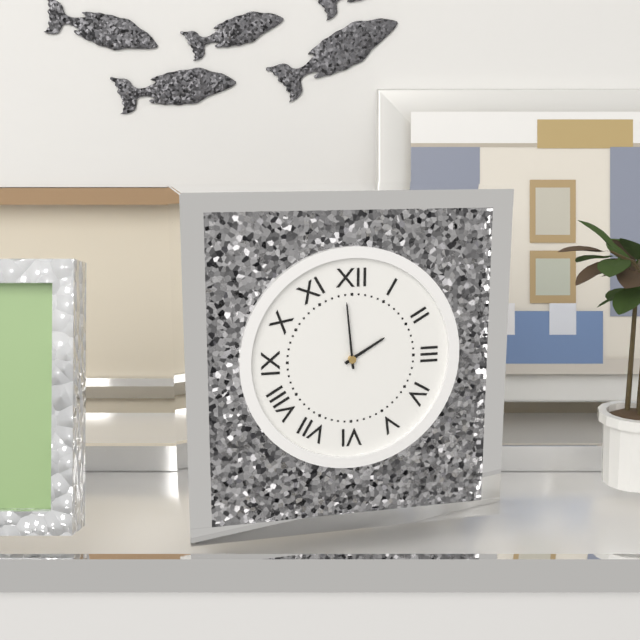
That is 1h59
